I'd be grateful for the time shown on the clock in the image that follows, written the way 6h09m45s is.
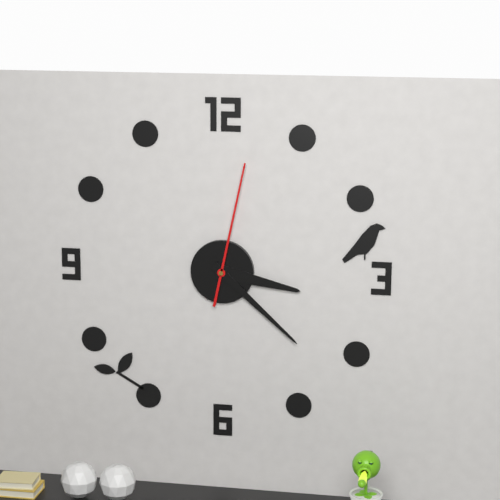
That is 3h22m02s
